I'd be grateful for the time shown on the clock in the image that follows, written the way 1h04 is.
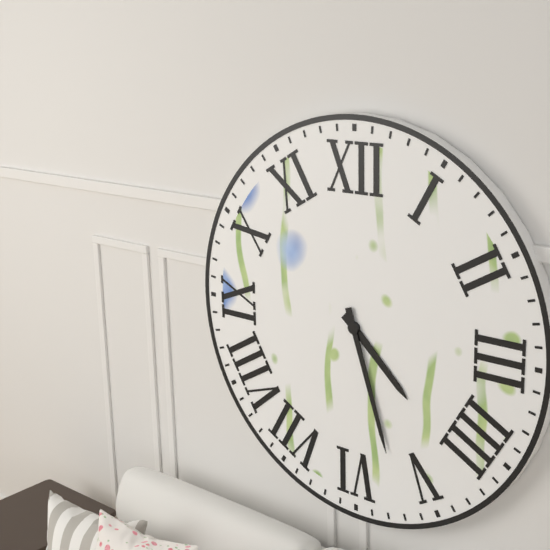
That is 4h27
